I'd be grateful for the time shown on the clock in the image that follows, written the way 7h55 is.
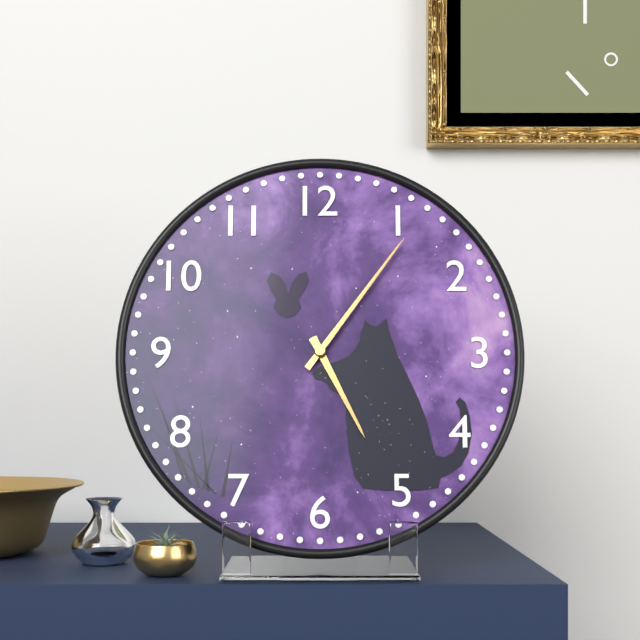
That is 5h06
